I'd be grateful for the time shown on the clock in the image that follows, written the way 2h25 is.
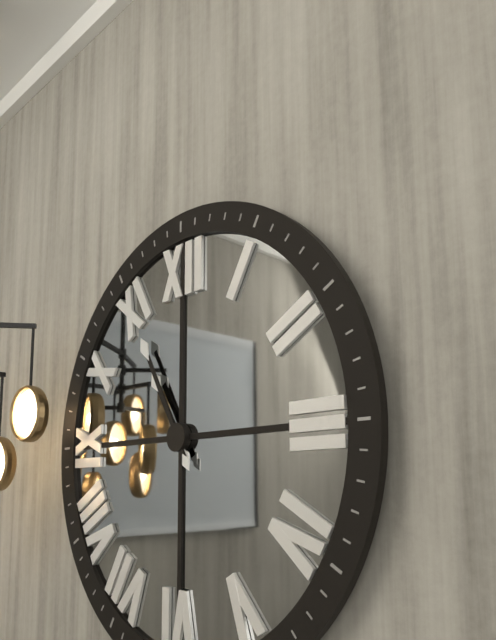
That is 10h55
